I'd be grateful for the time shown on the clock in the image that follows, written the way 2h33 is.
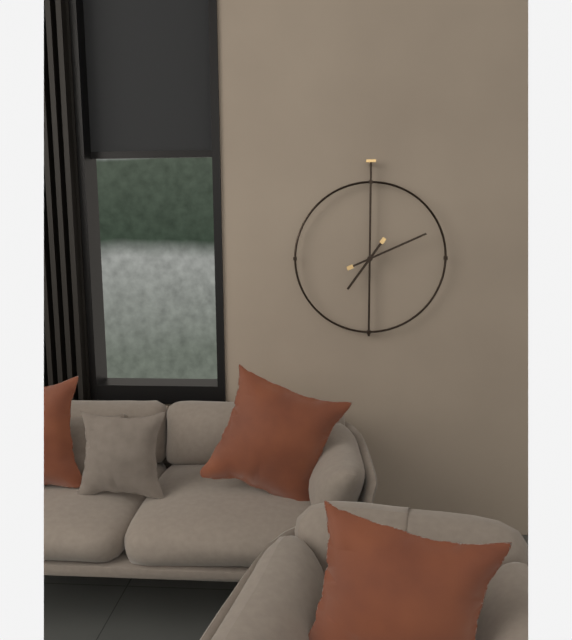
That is 7h11
